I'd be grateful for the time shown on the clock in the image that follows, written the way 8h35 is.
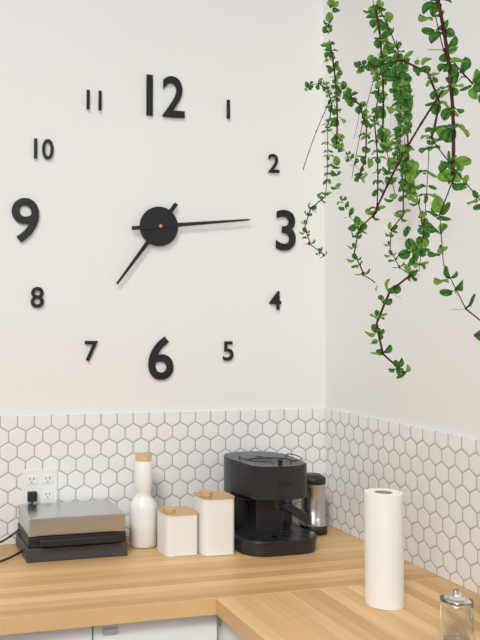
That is 7h14
